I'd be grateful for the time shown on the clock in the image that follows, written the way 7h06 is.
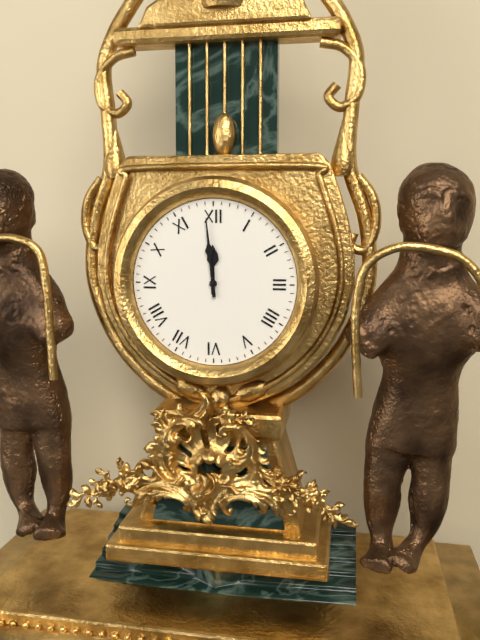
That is 11h59
